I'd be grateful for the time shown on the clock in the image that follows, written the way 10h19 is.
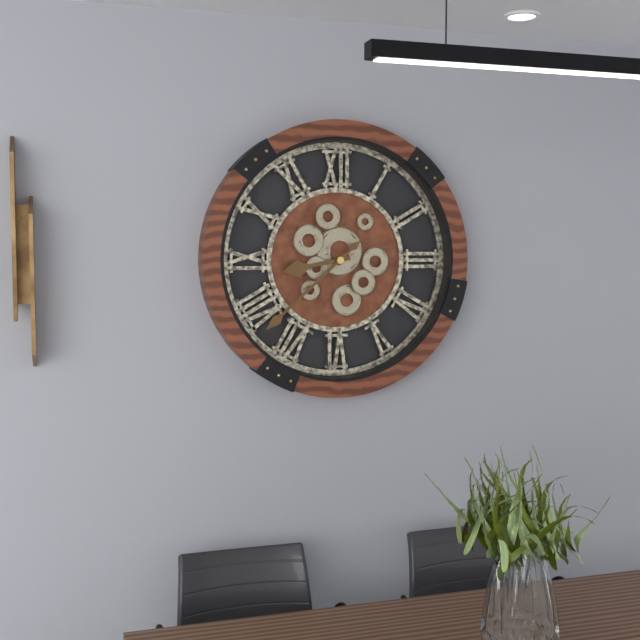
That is 8h38
